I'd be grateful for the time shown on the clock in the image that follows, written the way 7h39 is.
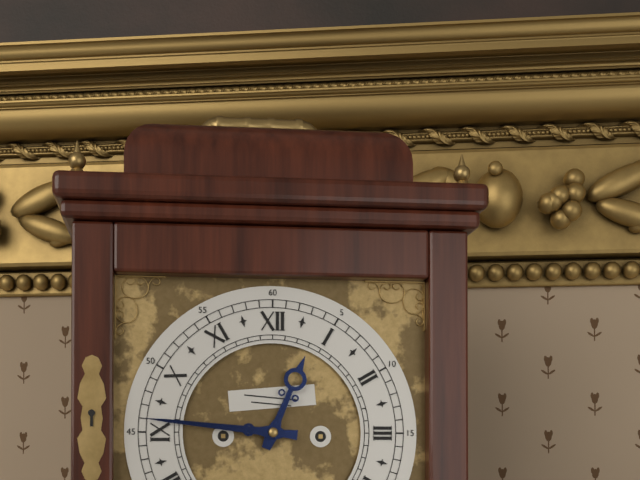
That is 12h46
